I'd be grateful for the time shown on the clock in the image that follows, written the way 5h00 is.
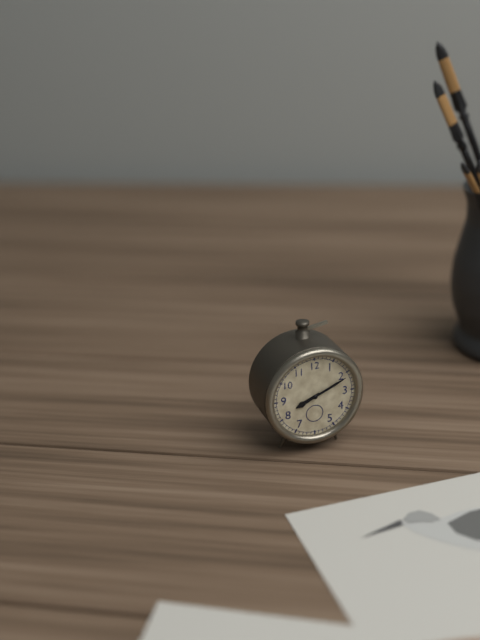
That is 8h11
